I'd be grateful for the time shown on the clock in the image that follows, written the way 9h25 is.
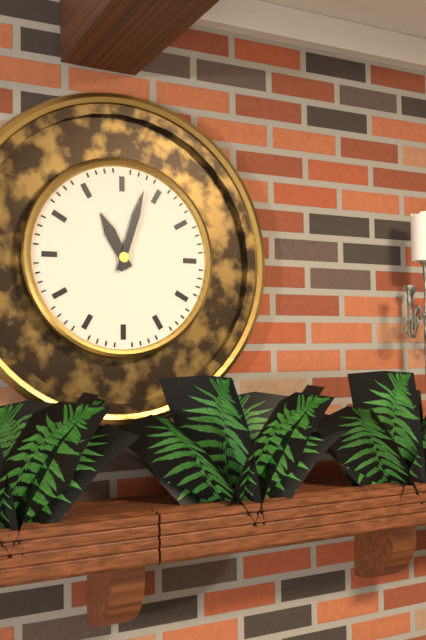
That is 11h03
